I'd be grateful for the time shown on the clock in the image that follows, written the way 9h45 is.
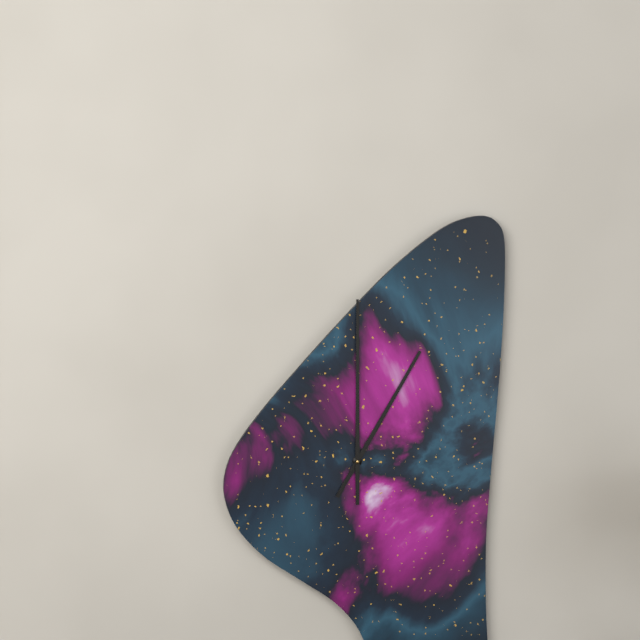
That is 1h00
